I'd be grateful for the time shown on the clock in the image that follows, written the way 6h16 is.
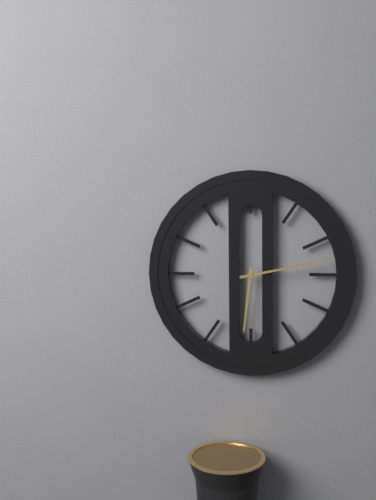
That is 6h13
